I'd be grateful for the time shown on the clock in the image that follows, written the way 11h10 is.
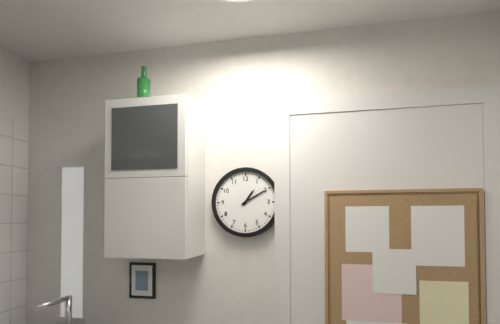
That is 1h10
